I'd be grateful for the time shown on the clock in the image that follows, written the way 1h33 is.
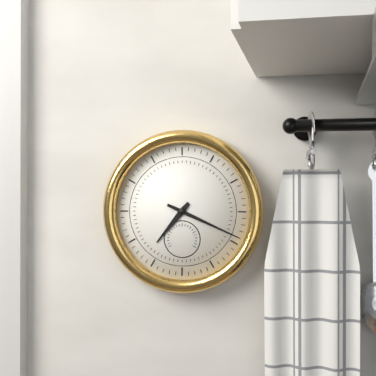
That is 7h19
